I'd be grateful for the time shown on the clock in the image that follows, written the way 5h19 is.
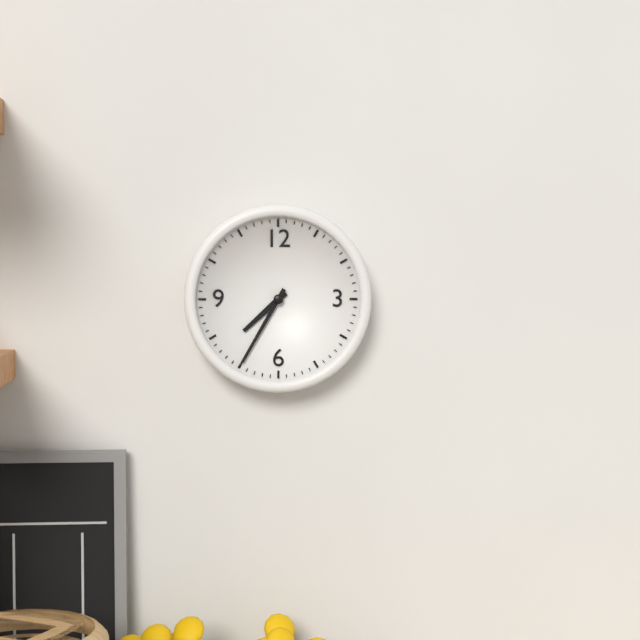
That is 7h35
